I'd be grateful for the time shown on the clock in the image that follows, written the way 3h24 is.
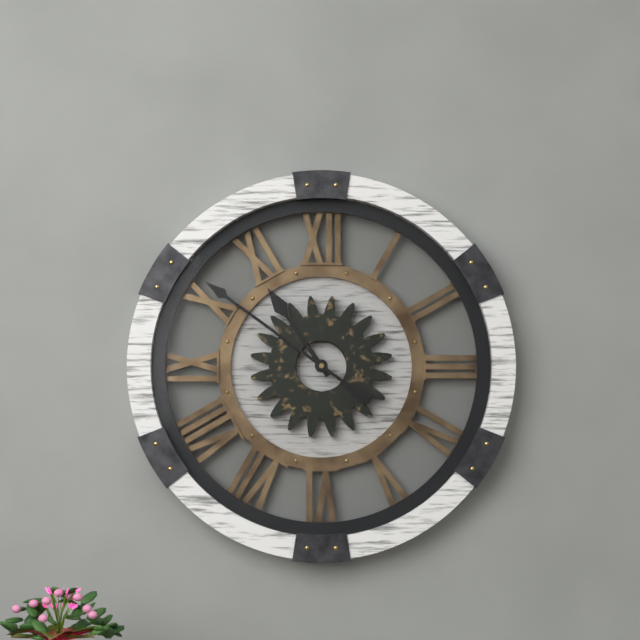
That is 10h51
